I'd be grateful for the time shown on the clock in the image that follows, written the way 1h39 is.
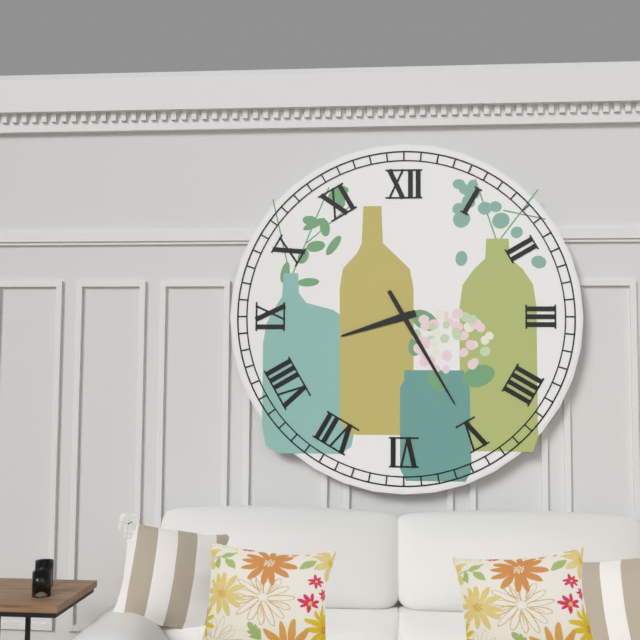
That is 8h25
